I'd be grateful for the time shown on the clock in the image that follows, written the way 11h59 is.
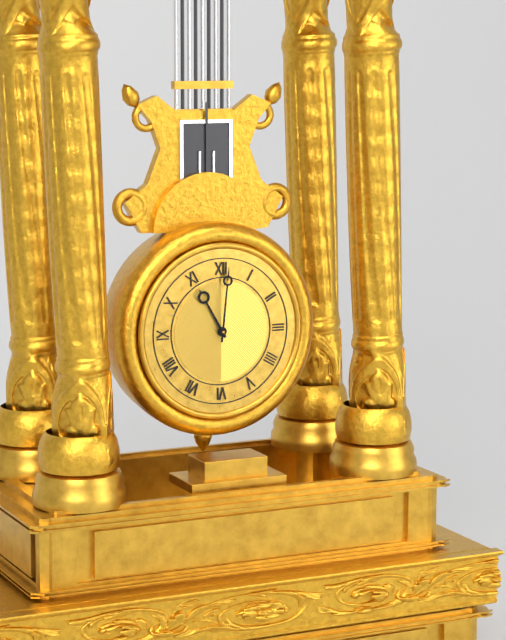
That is 11h01
